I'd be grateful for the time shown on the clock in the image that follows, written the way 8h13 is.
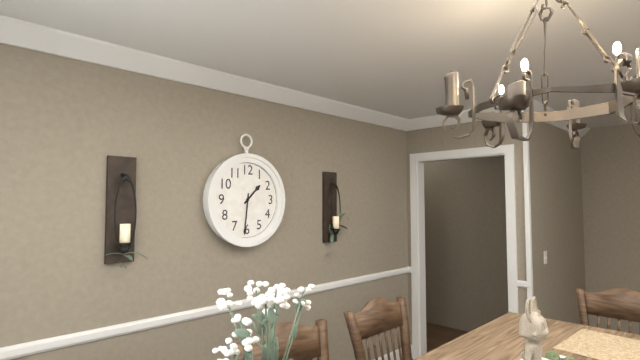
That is 1h31
